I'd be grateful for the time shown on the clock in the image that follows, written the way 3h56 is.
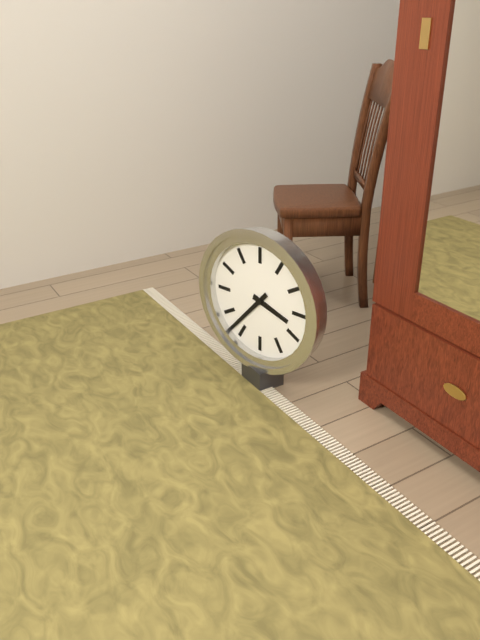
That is 3h37
